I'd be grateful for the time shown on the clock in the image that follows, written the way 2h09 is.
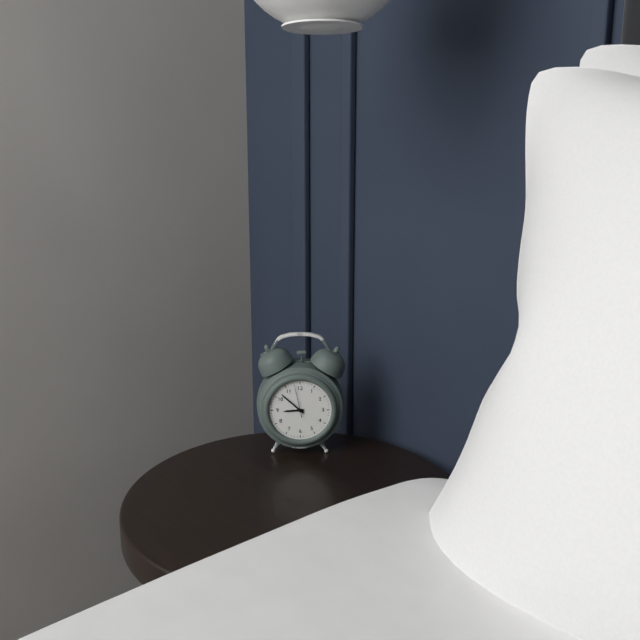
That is 8h52
